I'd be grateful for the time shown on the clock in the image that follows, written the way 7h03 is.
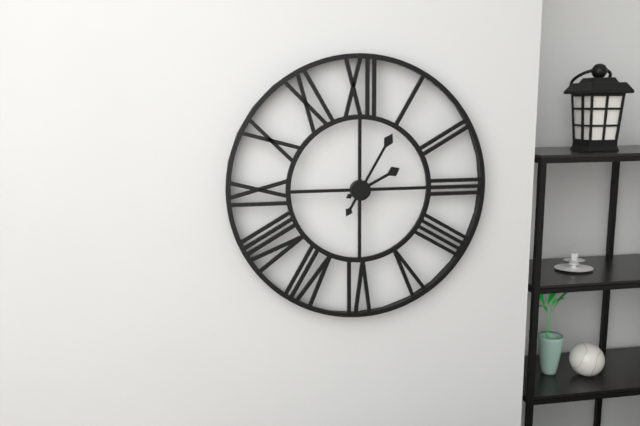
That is 2h05
